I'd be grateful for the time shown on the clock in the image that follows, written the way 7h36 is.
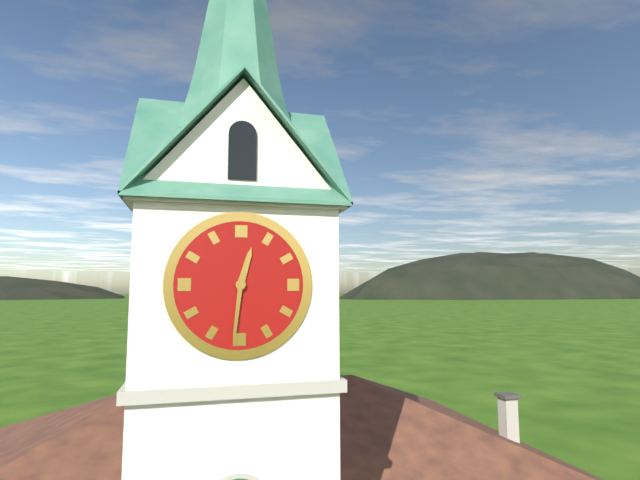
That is 12h31
